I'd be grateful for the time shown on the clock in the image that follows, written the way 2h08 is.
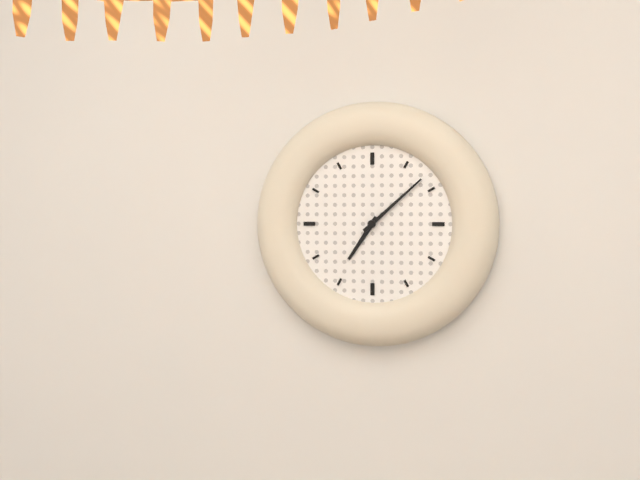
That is 7h08
